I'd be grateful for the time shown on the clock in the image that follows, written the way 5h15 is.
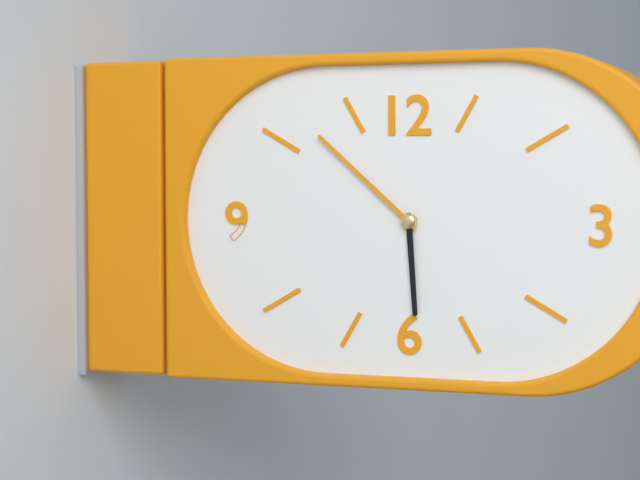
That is 5h52
